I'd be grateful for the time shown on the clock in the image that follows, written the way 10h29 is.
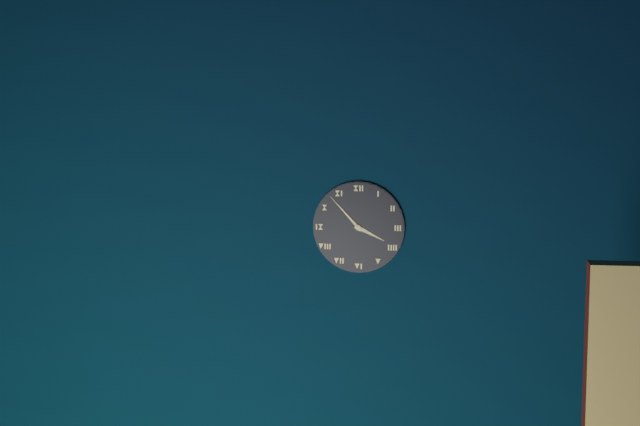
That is 3h53
